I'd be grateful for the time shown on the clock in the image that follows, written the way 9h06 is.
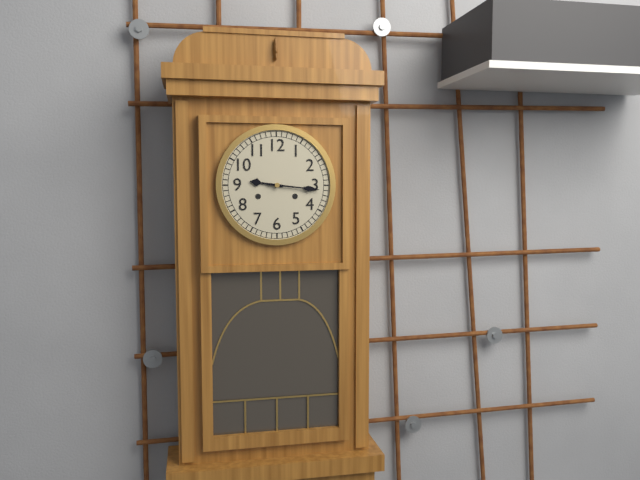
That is 9h16
